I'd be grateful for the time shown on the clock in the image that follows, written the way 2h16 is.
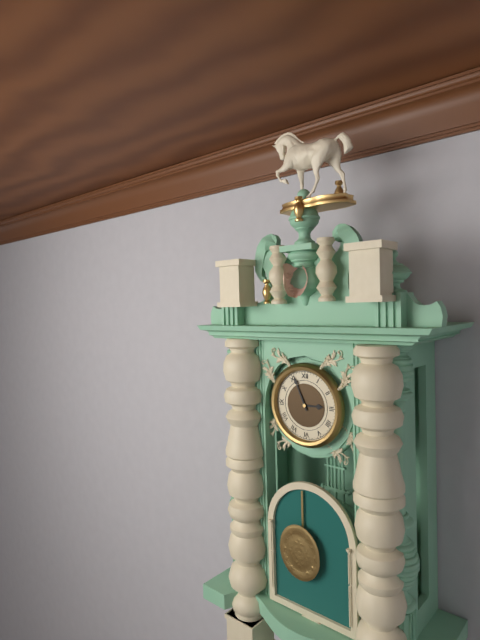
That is 2h56
